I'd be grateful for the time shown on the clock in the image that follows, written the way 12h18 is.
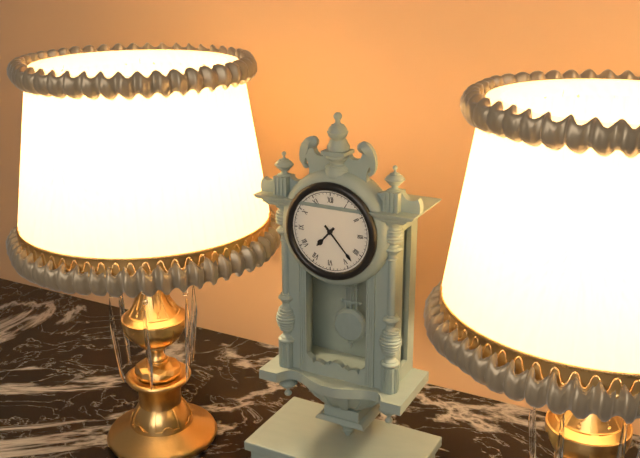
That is 7h23
